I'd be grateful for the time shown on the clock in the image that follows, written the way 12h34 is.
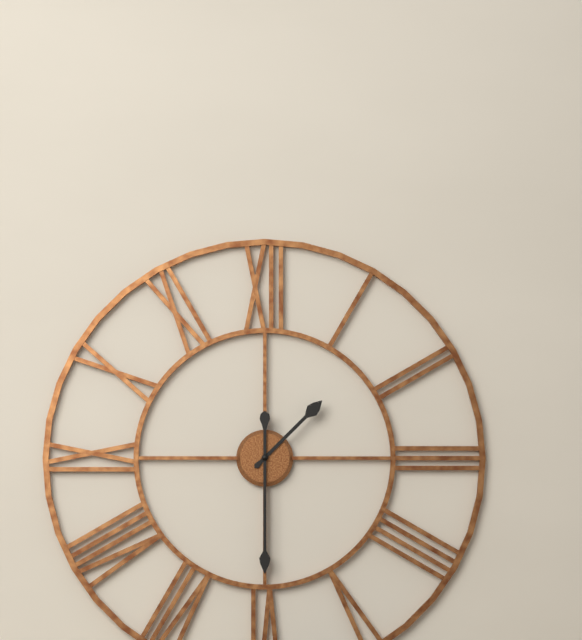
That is 1h30
